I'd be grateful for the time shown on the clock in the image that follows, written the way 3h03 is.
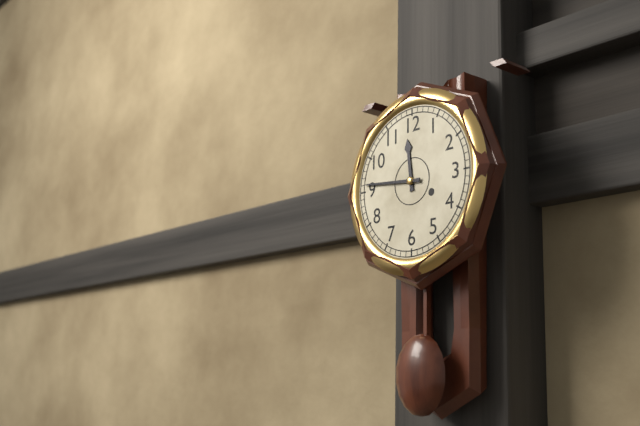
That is 11h46
